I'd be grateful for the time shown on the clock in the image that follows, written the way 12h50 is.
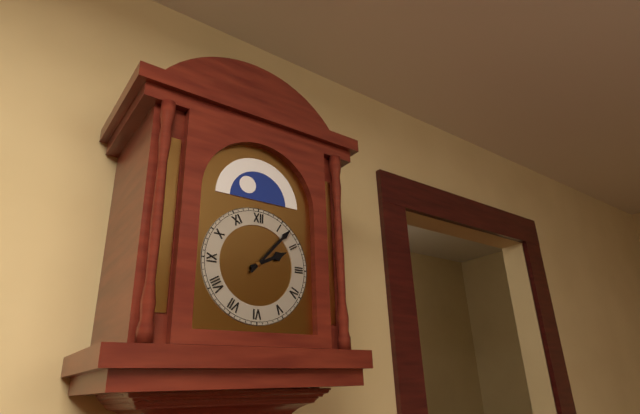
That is 2h07
